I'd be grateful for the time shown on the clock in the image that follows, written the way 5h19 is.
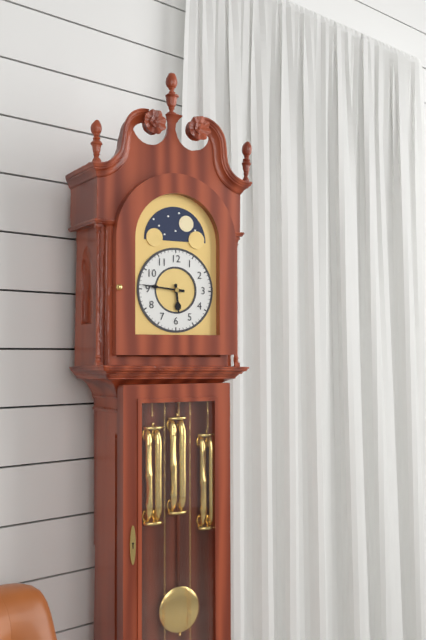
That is 5h46
